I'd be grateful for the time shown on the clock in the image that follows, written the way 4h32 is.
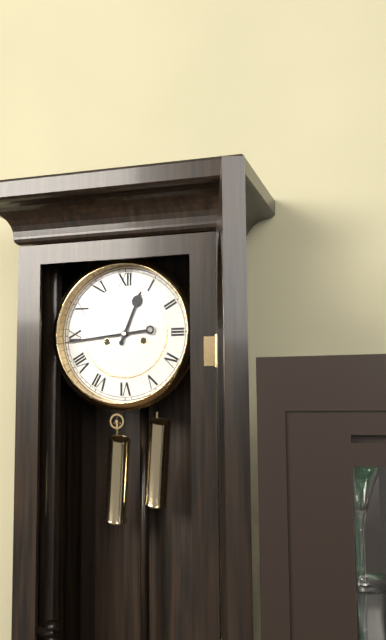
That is 12h44
